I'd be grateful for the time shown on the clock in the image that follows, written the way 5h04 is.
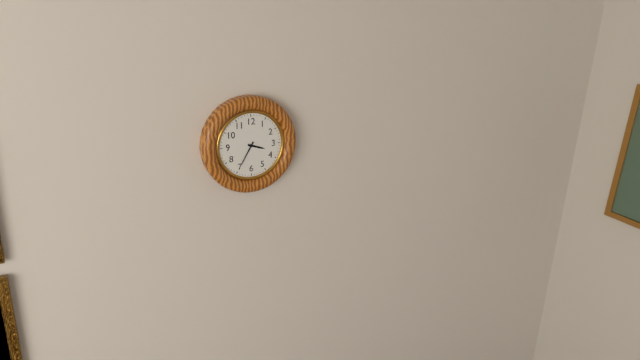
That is 3h35
